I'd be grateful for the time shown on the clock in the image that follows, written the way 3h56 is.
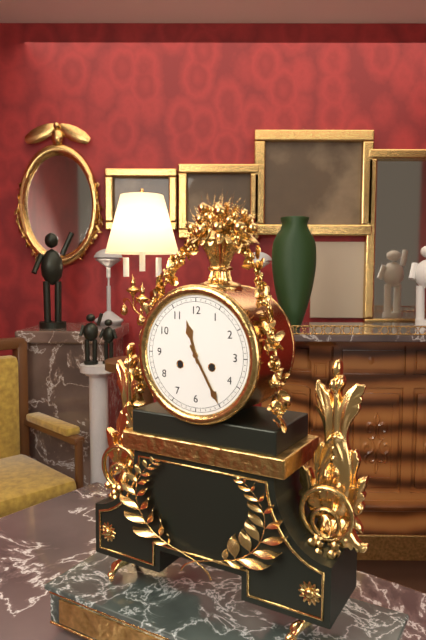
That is 11h25
